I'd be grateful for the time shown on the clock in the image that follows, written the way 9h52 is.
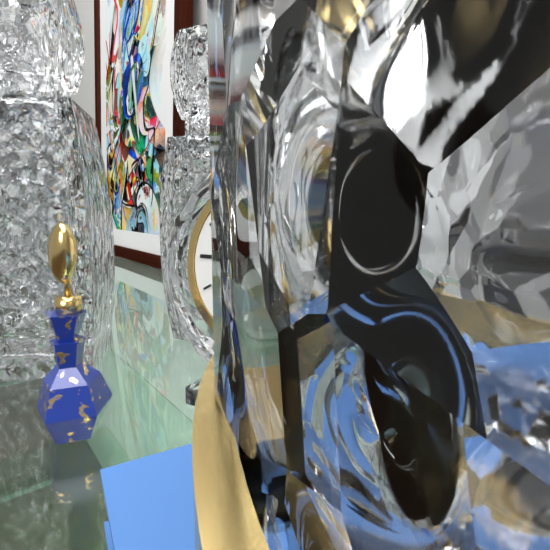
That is 1h26
